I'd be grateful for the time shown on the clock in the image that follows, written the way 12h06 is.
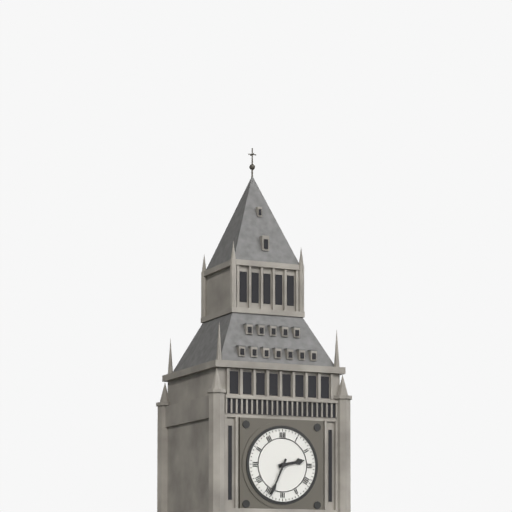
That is 2h34
